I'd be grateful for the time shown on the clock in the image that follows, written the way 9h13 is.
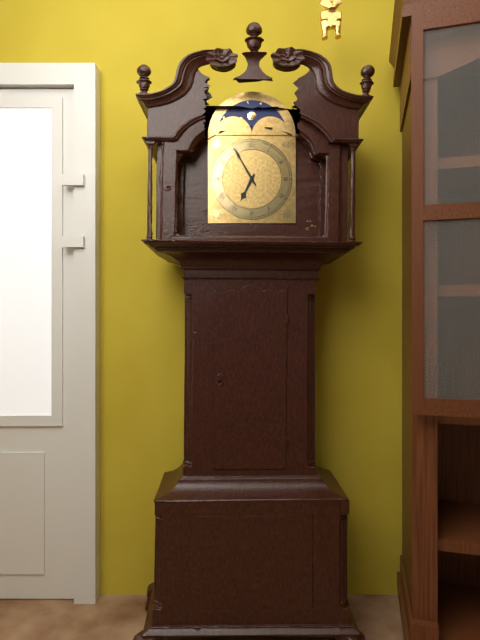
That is 6h55
